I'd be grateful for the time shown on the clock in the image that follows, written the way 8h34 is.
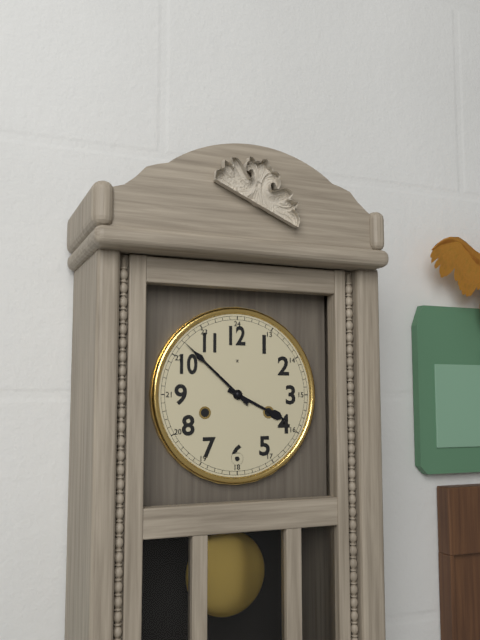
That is 3h52
